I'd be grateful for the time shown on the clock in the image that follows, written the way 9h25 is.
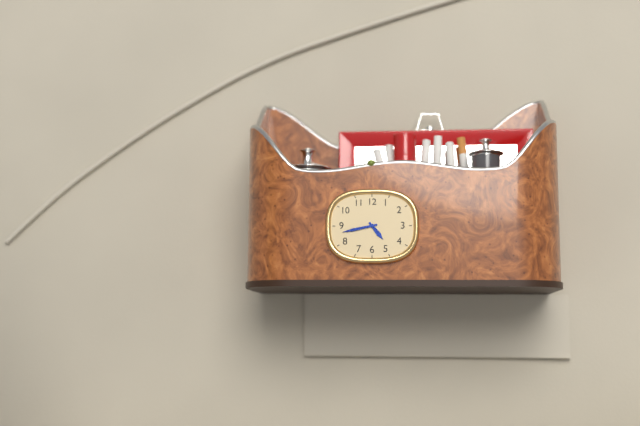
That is 4h43
